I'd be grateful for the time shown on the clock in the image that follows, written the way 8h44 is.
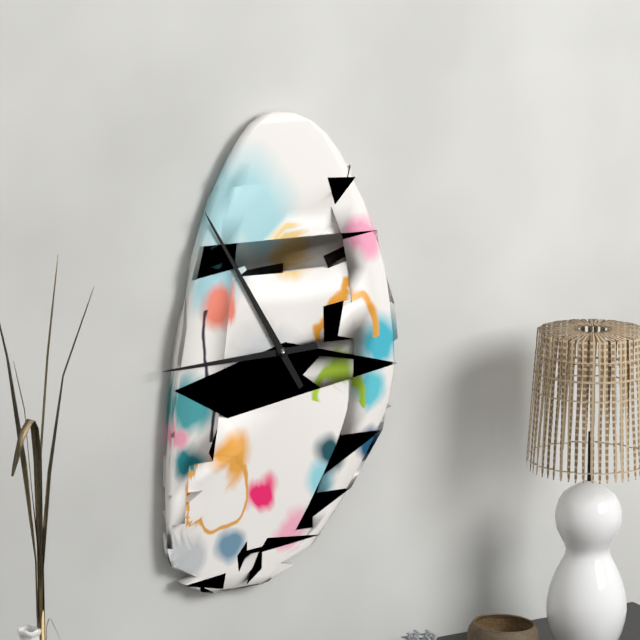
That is 8h55
